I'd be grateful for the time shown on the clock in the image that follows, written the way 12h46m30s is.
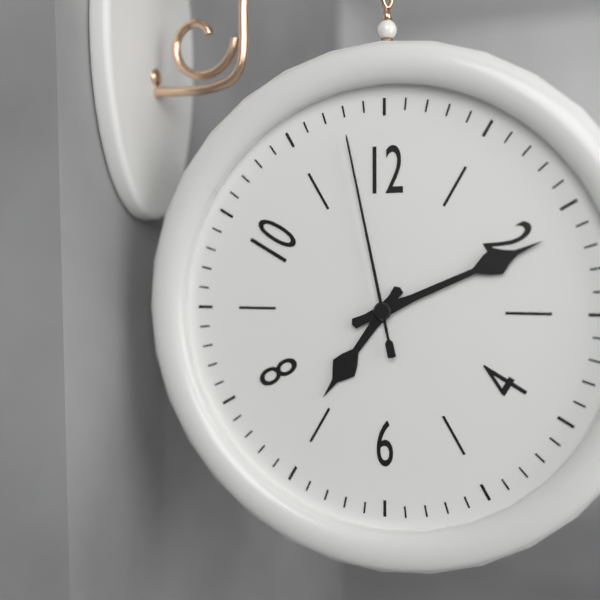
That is 7h11m58s
